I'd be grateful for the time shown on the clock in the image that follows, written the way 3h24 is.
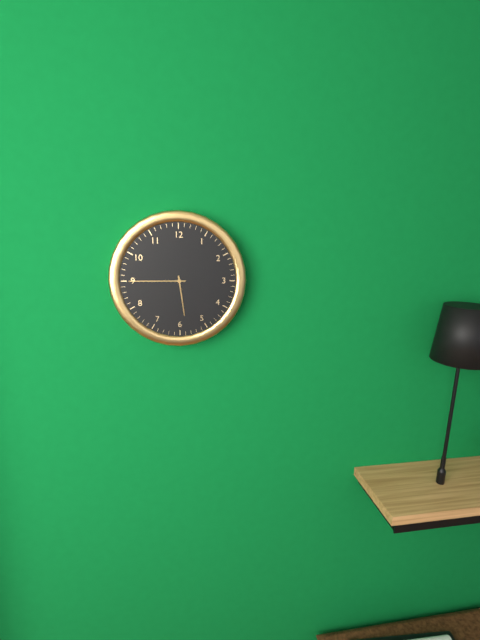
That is 5h45
